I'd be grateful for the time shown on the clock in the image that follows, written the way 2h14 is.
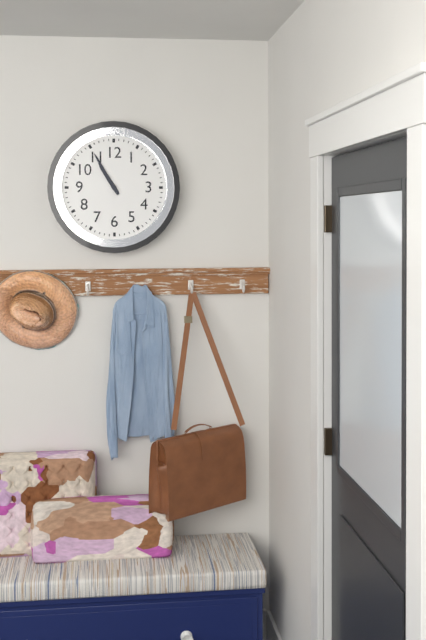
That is 10h55
